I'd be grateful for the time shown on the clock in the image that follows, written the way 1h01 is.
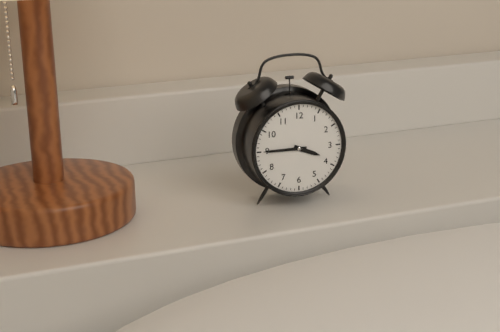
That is 3h45
